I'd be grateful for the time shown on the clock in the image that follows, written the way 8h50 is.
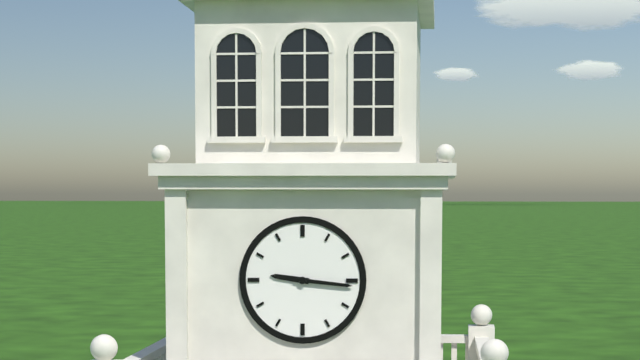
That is 9h16
